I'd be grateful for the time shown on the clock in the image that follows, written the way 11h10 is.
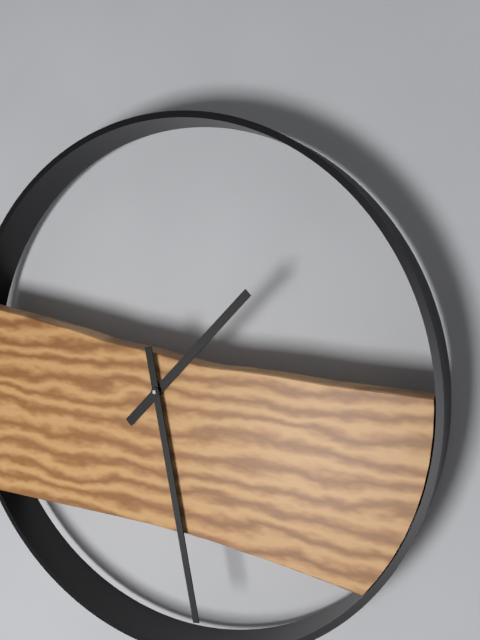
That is 1h28
